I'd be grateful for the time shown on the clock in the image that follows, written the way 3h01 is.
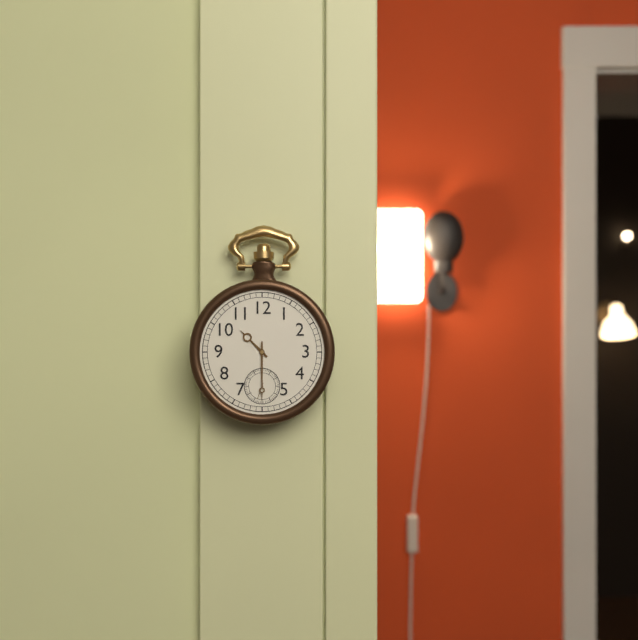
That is 10h30
